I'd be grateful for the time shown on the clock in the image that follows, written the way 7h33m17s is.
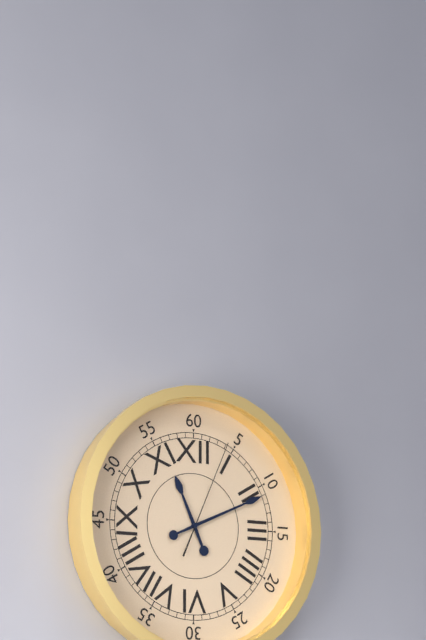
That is 11h11m04s
